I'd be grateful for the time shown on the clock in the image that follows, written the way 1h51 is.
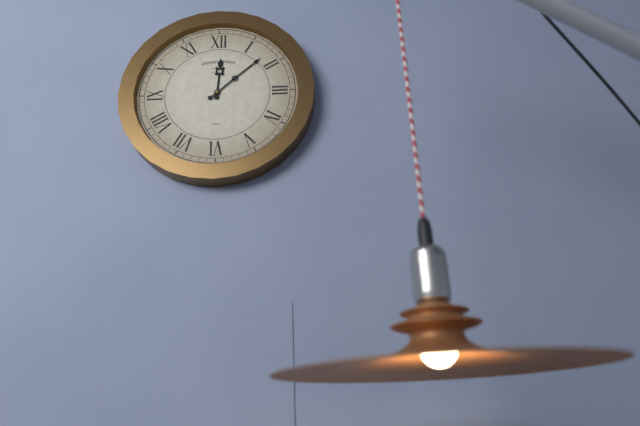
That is 12h08
